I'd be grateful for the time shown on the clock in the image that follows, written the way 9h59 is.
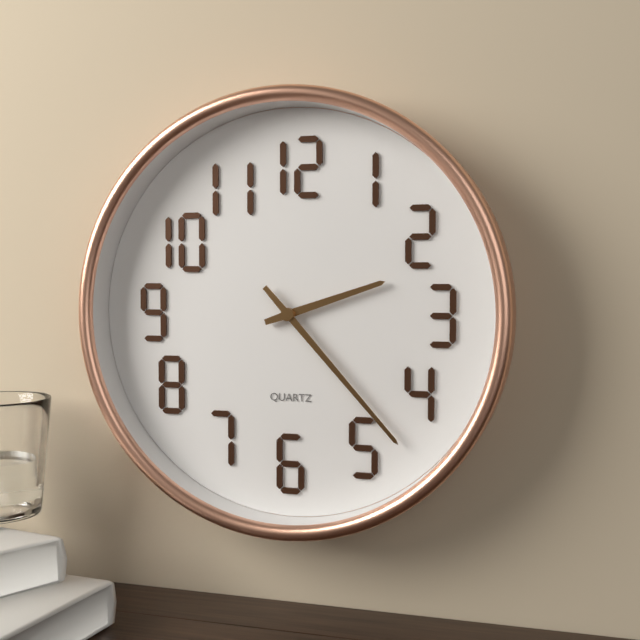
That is 2h23
